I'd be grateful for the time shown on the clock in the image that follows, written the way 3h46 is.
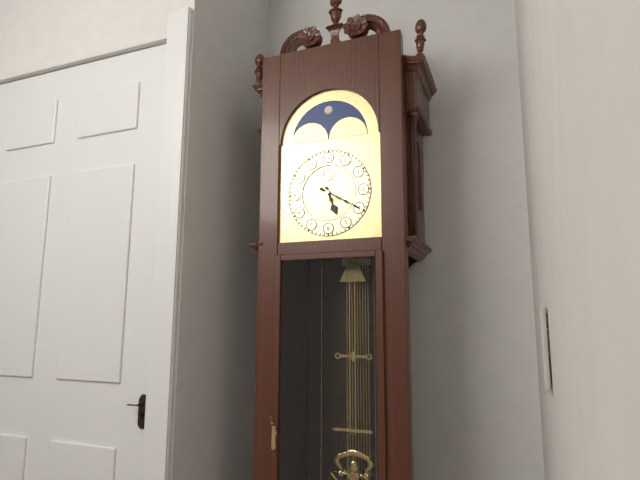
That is 5h20
